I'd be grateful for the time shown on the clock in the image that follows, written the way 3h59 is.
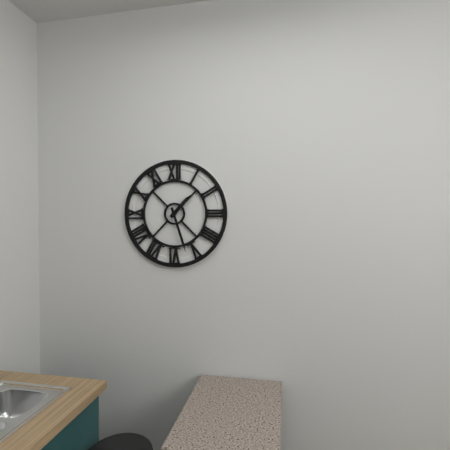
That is 1h27
